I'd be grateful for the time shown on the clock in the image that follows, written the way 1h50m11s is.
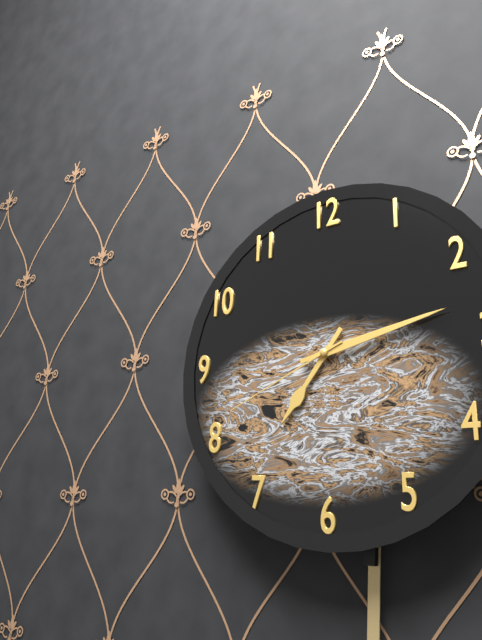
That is 7h13m41s
